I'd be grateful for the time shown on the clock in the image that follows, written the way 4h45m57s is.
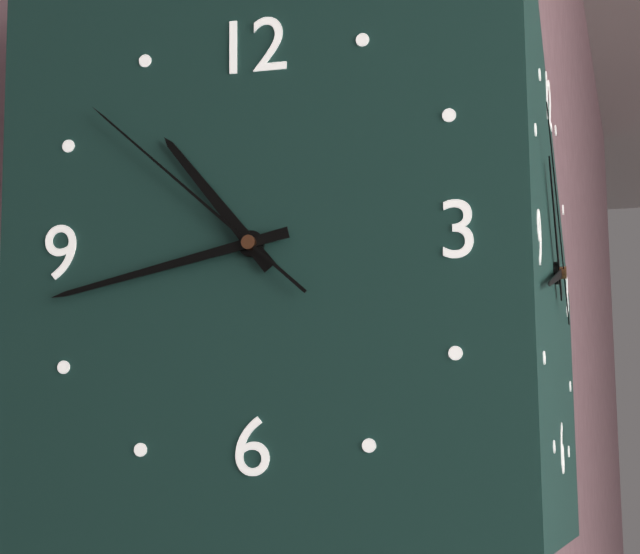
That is 10h43m52s
